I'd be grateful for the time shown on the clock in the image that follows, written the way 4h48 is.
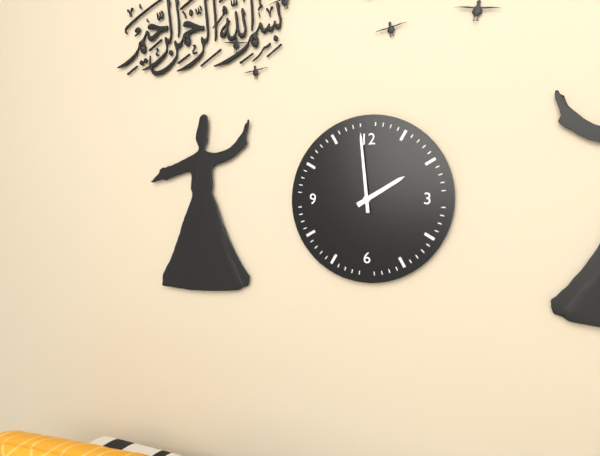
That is 1h59
